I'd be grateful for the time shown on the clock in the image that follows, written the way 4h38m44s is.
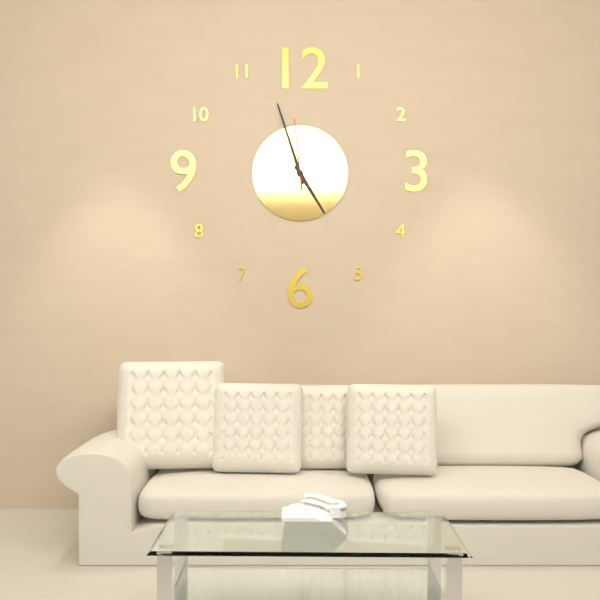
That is 4h57m59s
